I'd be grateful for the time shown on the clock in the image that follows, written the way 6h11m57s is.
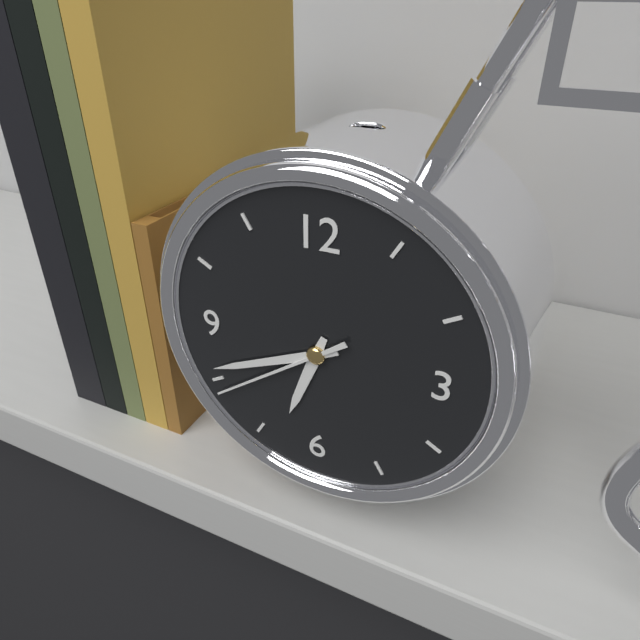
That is 6h41m39s
